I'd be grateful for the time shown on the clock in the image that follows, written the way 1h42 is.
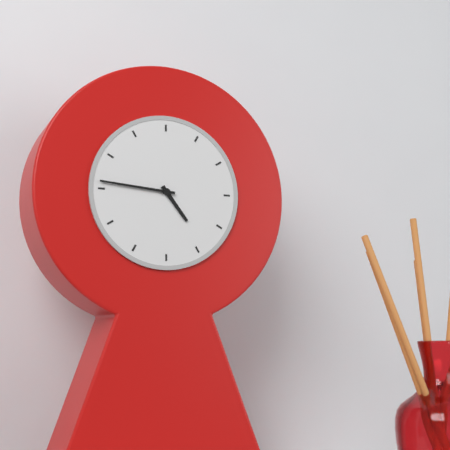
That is 4h46
